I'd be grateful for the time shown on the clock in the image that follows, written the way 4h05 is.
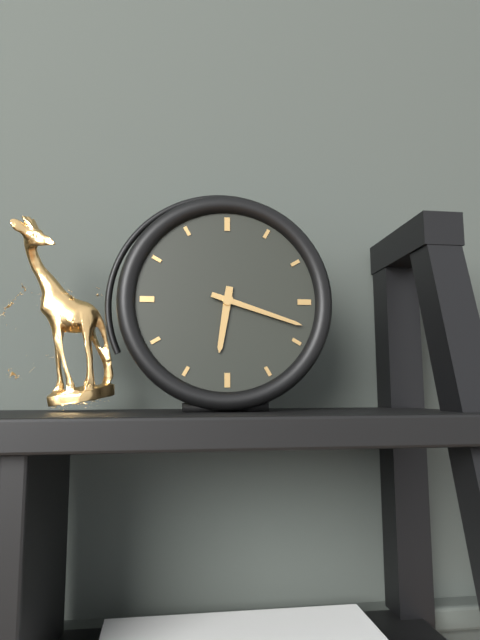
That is 6h18
